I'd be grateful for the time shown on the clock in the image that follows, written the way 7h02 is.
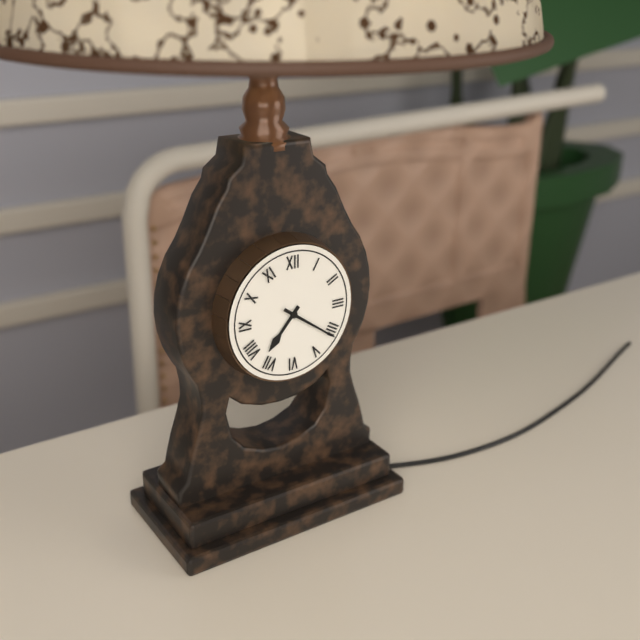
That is 7h21
